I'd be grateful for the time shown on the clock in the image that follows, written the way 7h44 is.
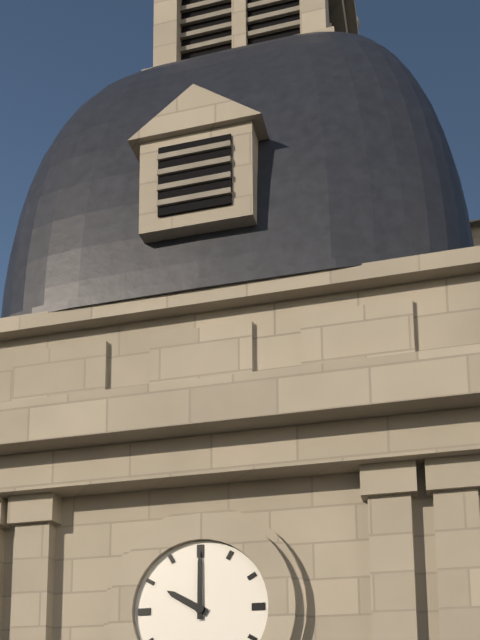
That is 10h00
